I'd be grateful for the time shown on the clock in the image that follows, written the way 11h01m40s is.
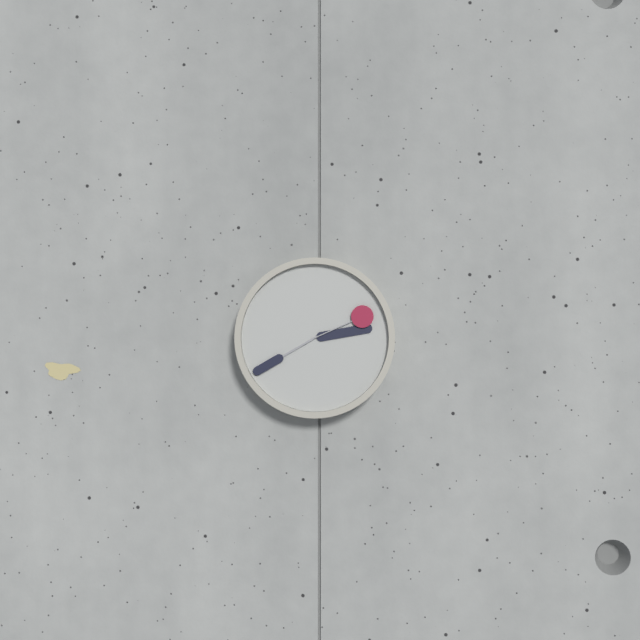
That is 2h40m11s
